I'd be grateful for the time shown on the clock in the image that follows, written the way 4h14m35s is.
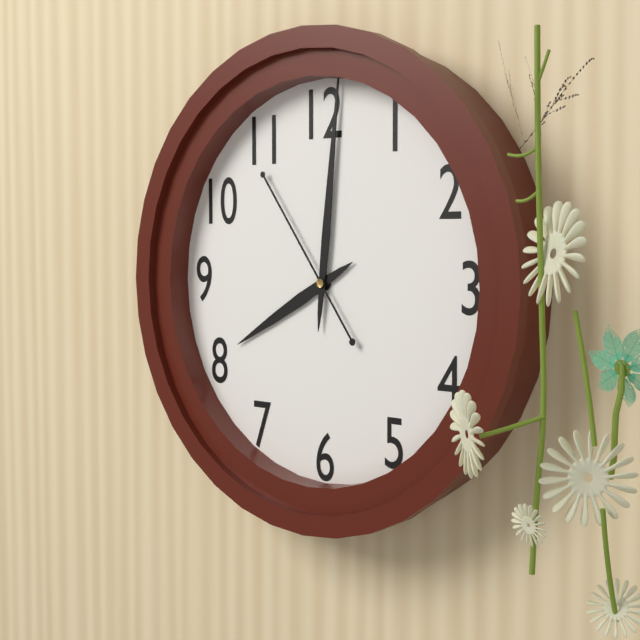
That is 8h01m54s
